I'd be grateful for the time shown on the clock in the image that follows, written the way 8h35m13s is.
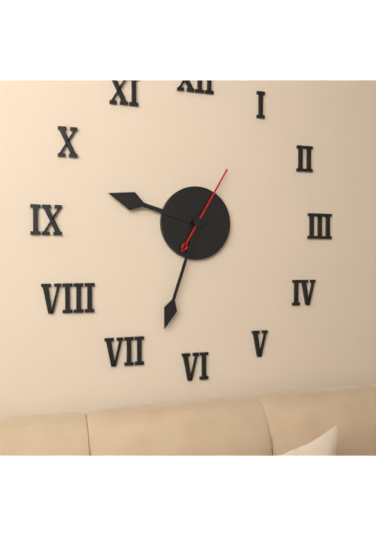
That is 9h33m05s
